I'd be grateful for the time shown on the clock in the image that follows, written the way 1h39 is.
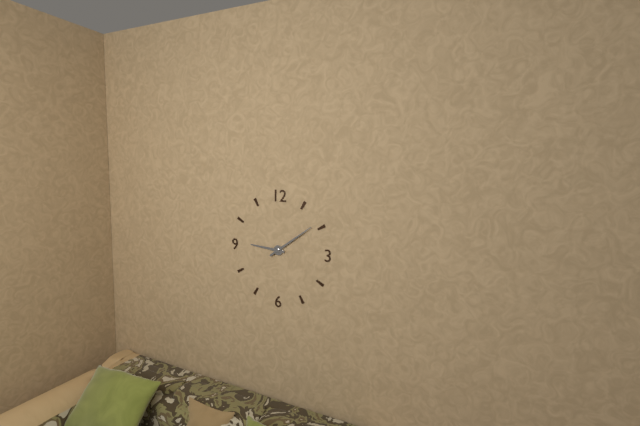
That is 9h09
